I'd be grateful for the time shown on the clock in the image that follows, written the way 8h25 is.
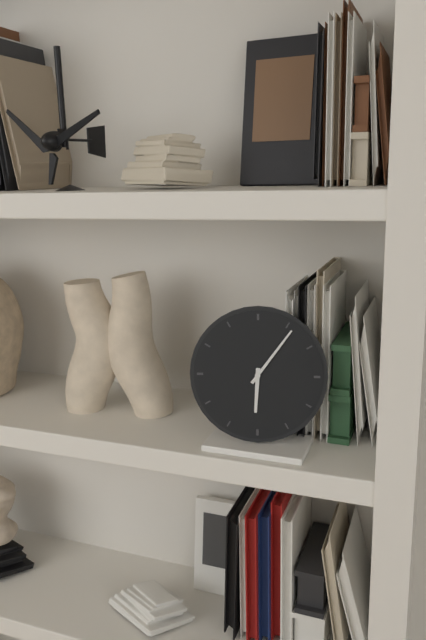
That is 6h06
